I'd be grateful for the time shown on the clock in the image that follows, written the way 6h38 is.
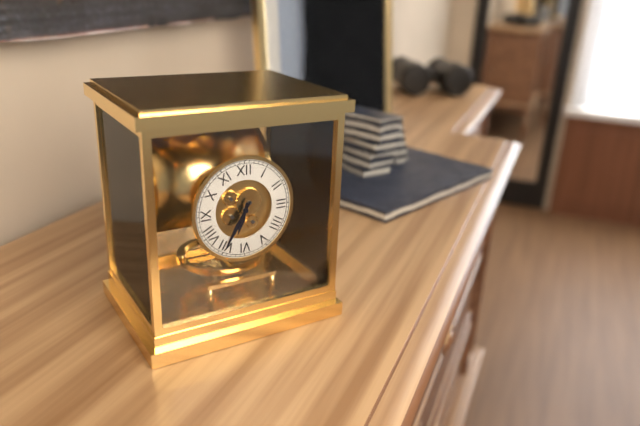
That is 6h35
